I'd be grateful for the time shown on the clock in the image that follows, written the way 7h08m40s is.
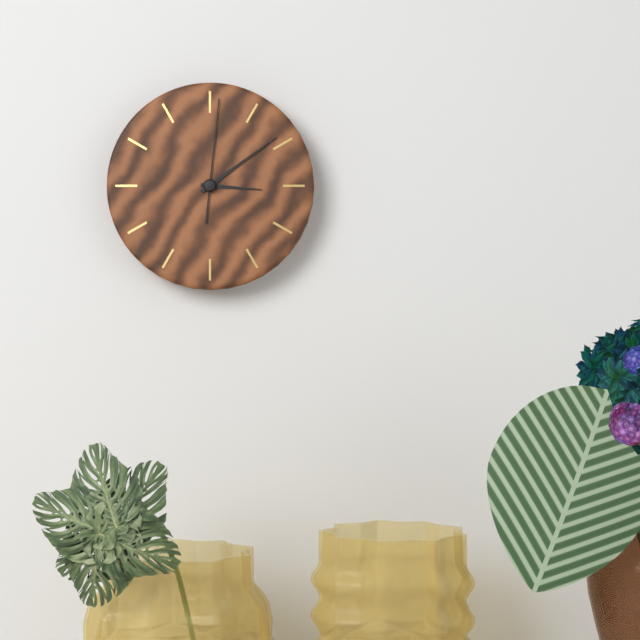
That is 3h09m01s
